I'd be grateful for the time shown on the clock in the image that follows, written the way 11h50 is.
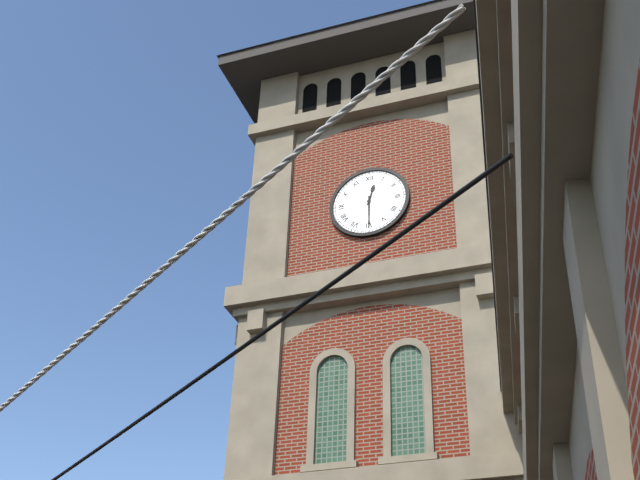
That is 12h30
